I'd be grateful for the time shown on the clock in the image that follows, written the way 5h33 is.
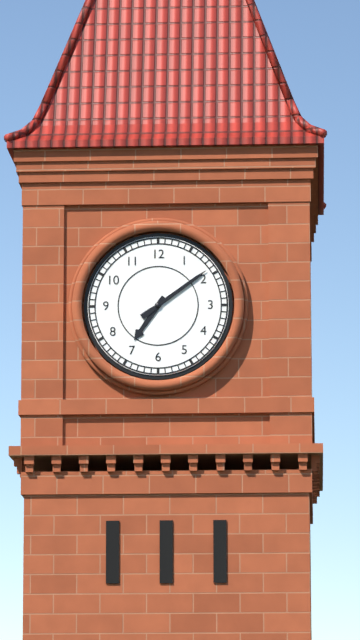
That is 7h09
